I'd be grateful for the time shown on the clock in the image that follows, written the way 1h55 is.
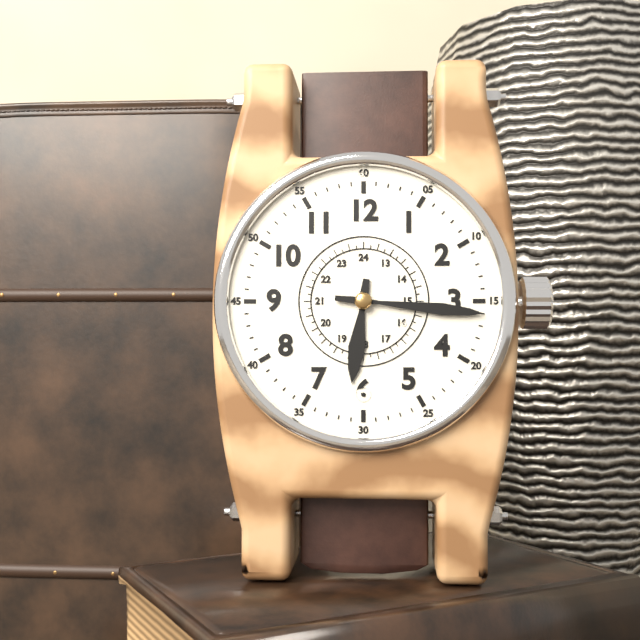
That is 6h16
